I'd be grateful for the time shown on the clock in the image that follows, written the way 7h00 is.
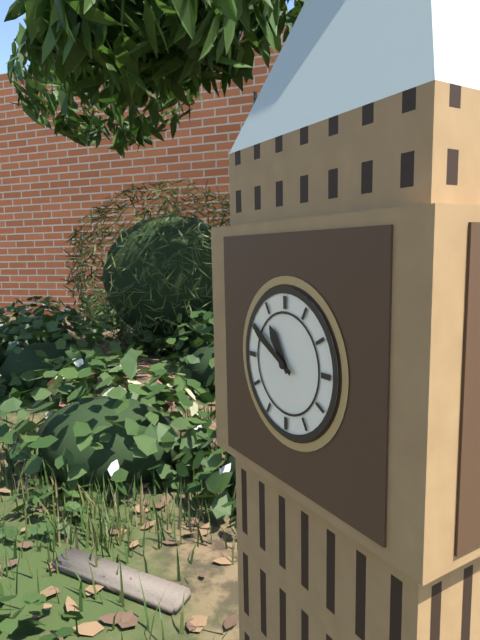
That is 10h50
